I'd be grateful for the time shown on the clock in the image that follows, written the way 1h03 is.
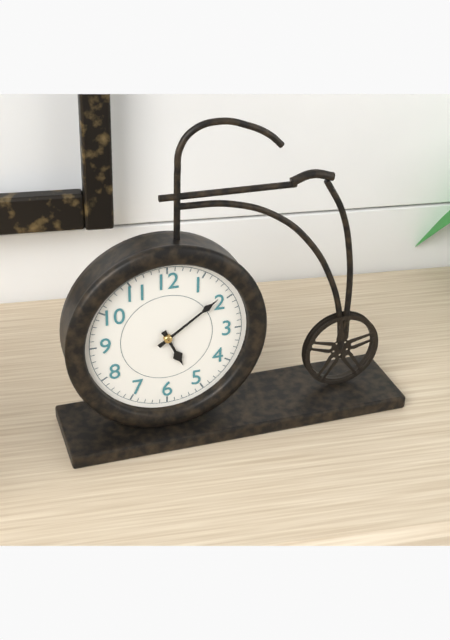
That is 5h09
